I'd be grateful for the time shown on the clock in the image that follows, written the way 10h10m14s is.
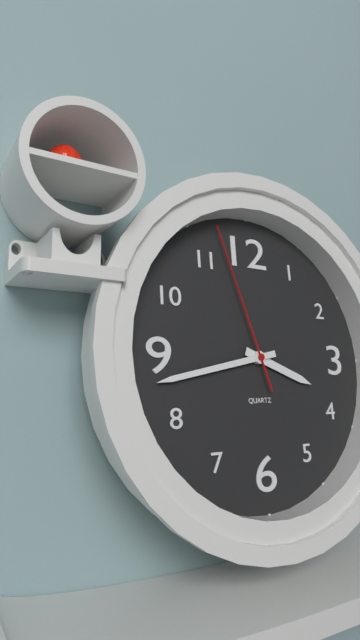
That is 3h43m57s
